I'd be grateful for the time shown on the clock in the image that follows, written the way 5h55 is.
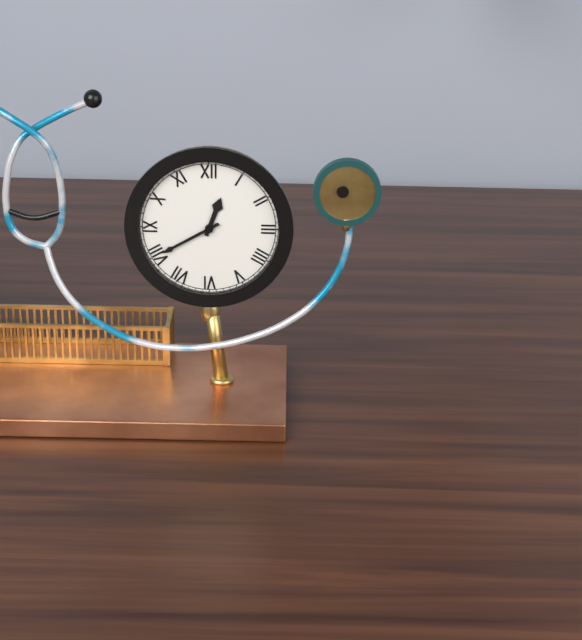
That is 12h40
